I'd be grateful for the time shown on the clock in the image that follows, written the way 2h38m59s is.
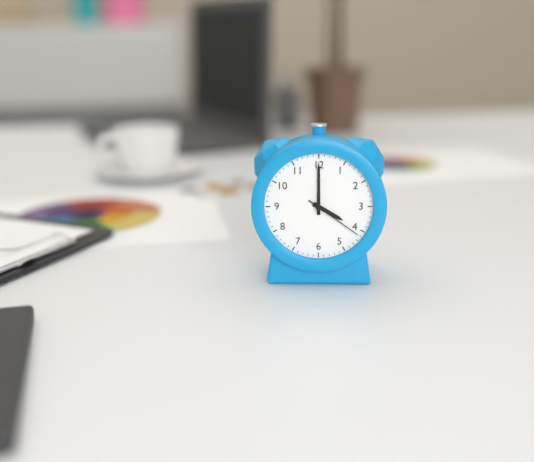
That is 4h00m21s
